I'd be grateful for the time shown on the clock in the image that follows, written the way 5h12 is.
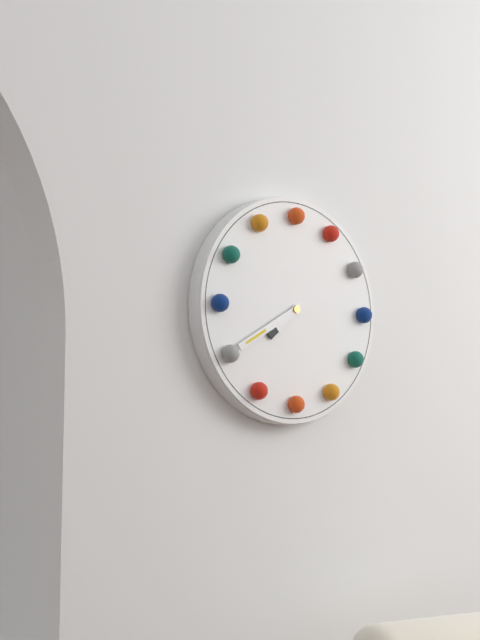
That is 7h40
